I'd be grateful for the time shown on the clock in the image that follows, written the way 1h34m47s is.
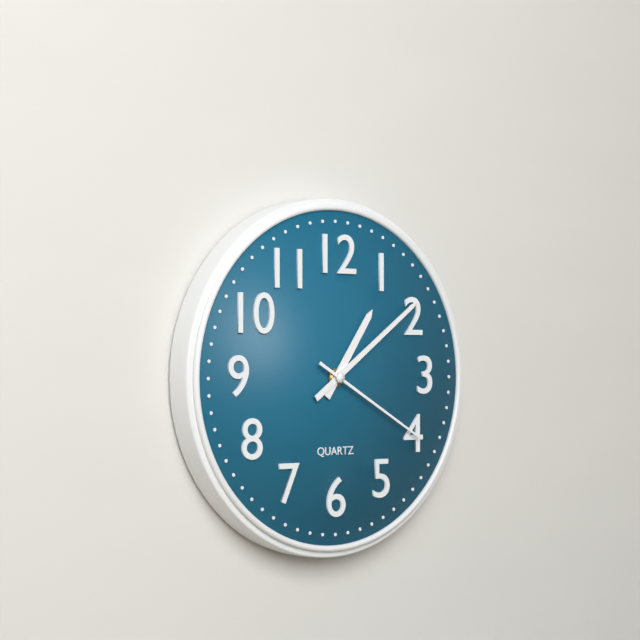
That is 1h09m20s
